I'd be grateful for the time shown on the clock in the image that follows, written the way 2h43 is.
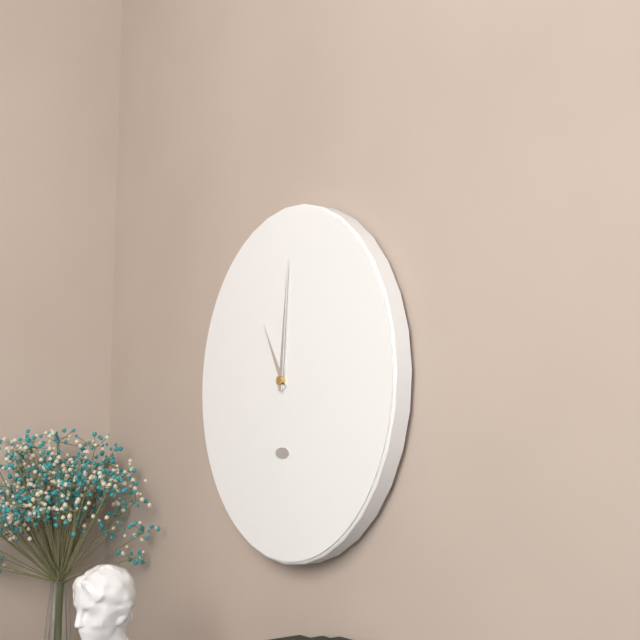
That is 11h01
